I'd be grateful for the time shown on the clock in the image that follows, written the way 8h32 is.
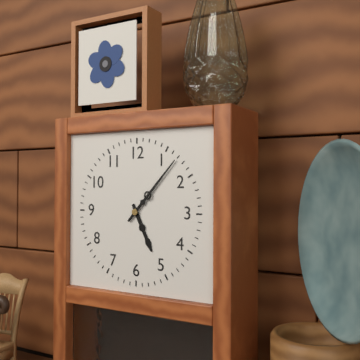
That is 5h07
